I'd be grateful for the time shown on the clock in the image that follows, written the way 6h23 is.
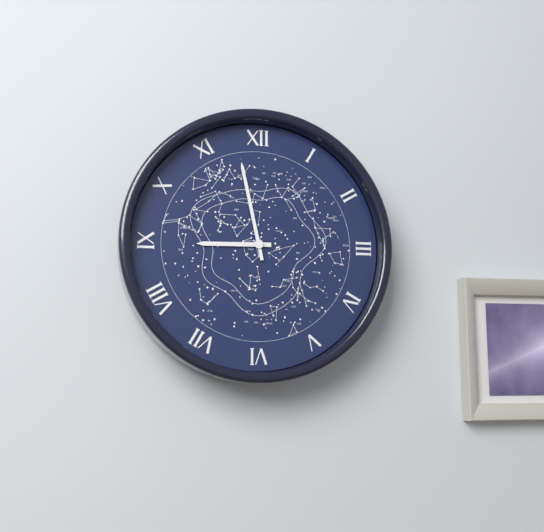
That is 8h58
